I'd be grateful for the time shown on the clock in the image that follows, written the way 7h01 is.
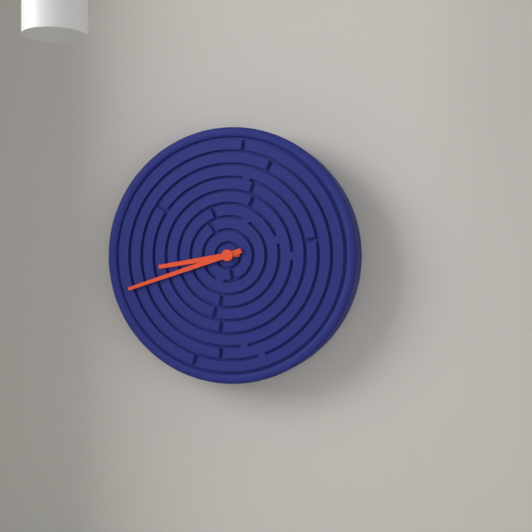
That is 8h42
